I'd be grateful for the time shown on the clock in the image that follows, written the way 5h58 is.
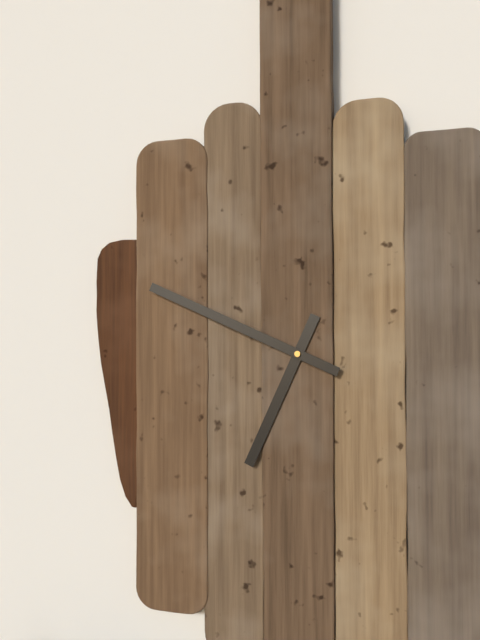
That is 6h49
